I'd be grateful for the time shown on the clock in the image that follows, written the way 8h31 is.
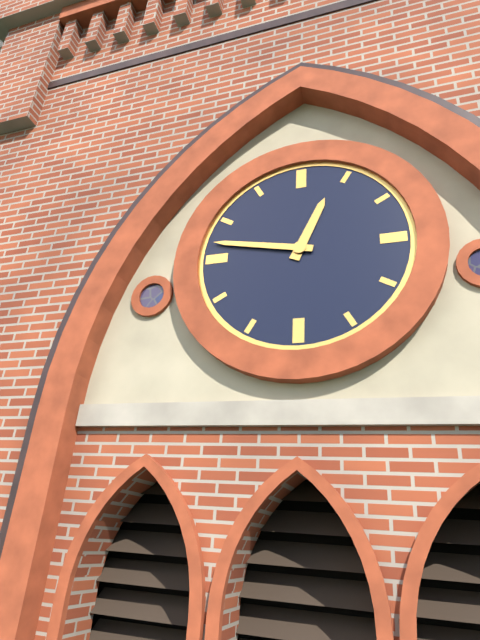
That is 12h47
